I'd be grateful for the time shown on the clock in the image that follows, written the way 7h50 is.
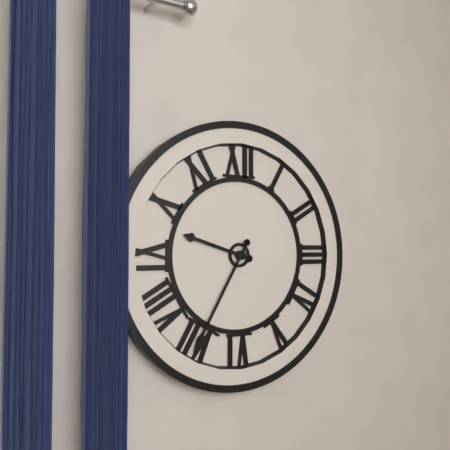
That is 9h35
